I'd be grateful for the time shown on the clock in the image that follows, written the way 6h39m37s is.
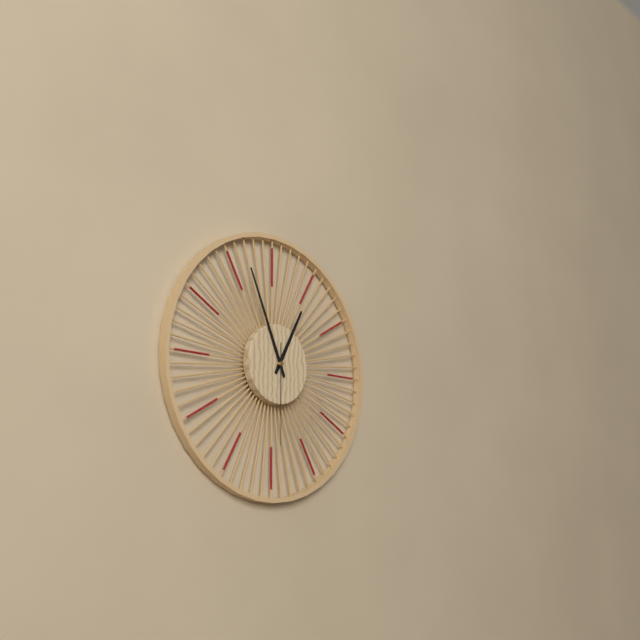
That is 12h56m30s
